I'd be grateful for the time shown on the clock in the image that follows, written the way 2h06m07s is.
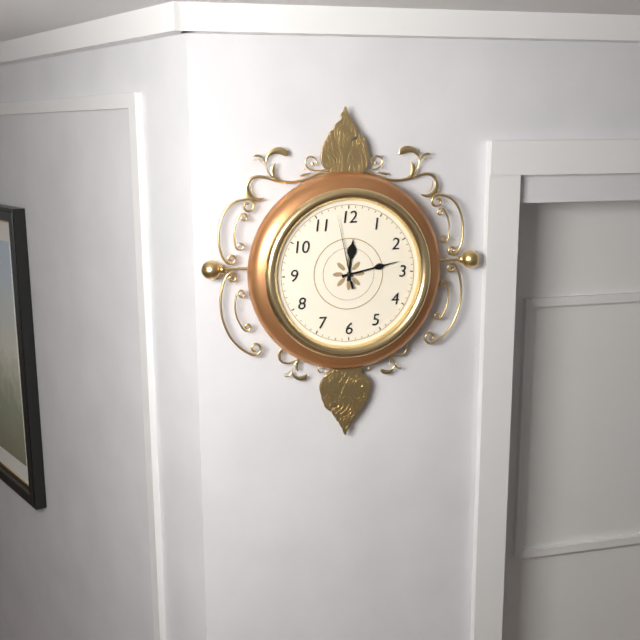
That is 12h13m58s
